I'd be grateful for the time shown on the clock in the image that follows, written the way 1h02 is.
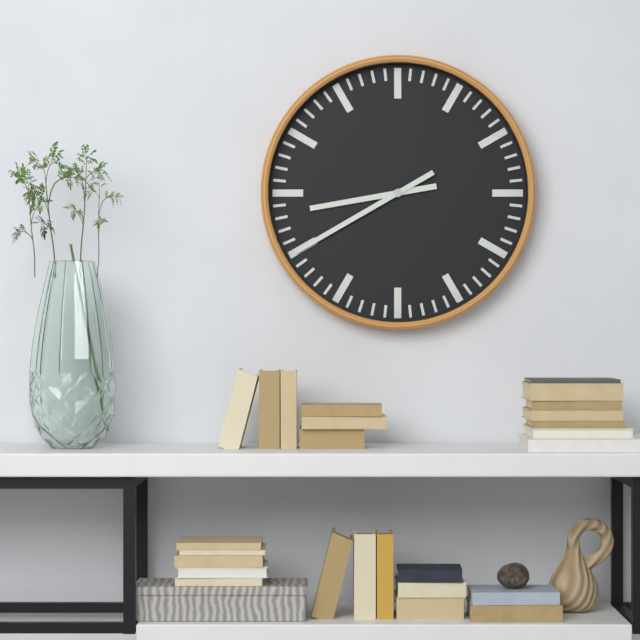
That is 8h40
